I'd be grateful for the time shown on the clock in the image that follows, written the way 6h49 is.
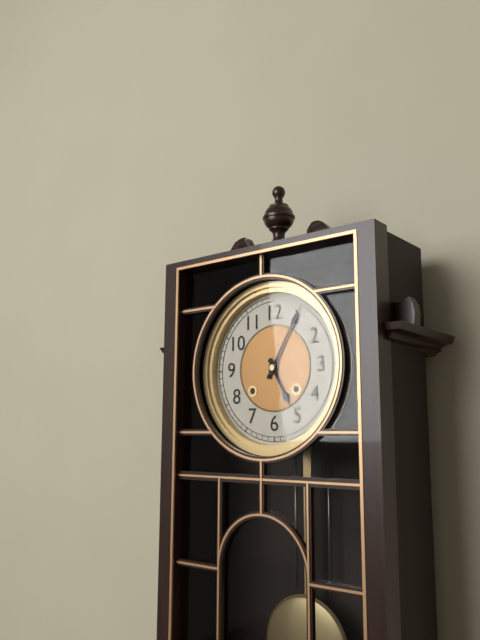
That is 5h05
